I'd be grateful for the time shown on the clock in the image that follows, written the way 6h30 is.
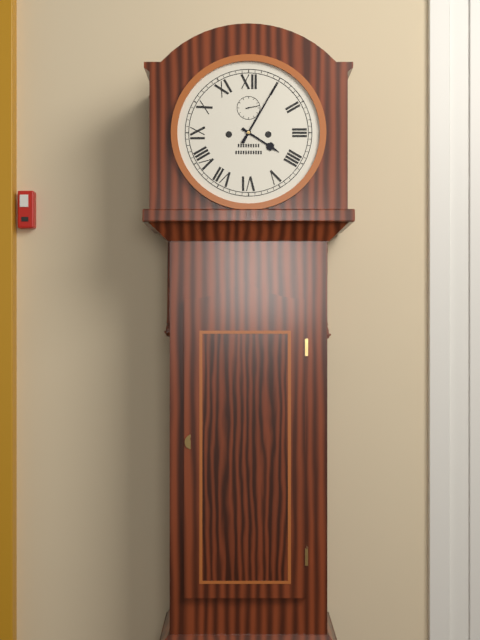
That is 4h05
